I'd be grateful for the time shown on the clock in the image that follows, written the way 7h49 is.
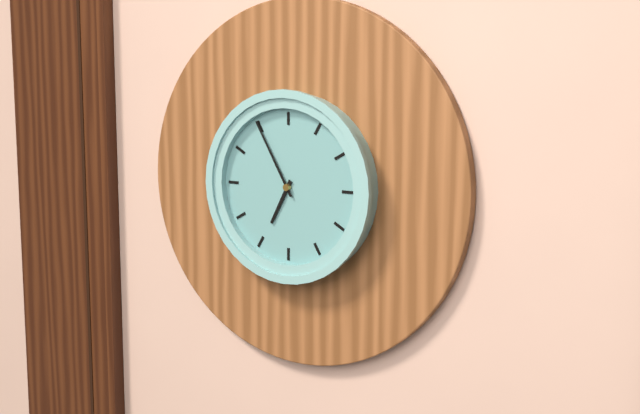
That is 6h55
